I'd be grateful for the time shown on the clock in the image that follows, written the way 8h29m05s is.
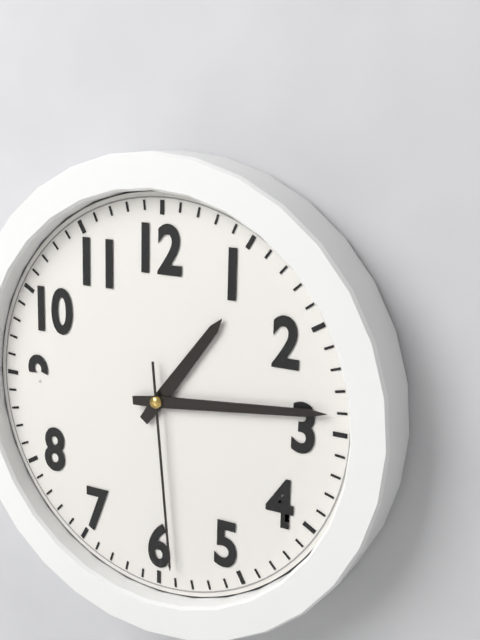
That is 1h14m29s
